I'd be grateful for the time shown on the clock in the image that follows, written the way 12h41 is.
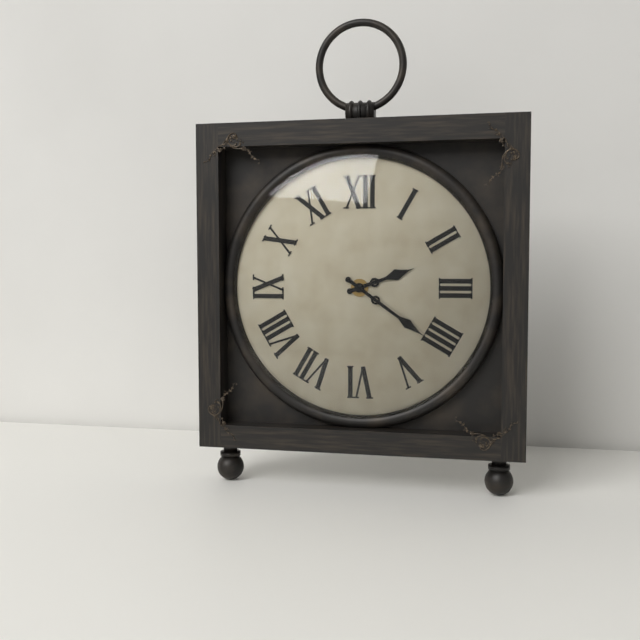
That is 2h21
